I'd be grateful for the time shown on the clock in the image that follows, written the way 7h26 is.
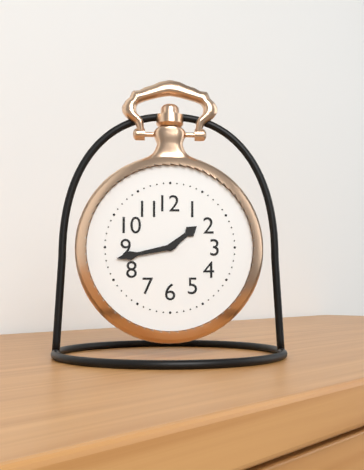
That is 1h43
